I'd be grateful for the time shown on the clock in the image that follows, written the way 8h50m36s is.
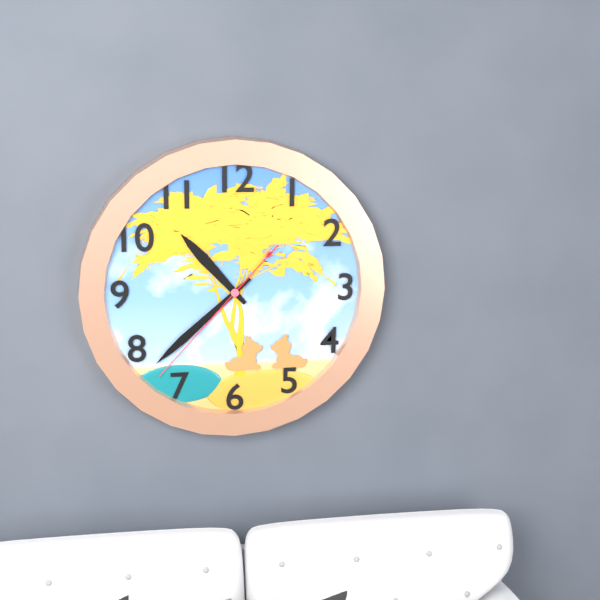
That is 10h38m37s
